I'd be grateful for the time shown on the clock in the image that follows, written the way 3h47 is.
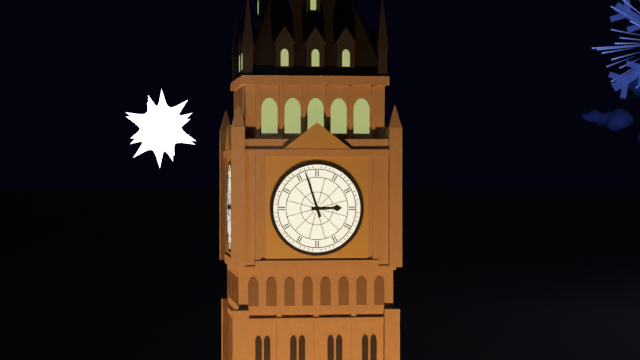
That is 2h57
